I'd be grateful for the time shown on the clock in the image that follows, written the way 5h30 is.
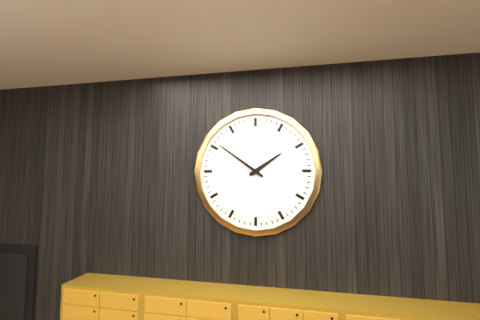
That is 1h51
